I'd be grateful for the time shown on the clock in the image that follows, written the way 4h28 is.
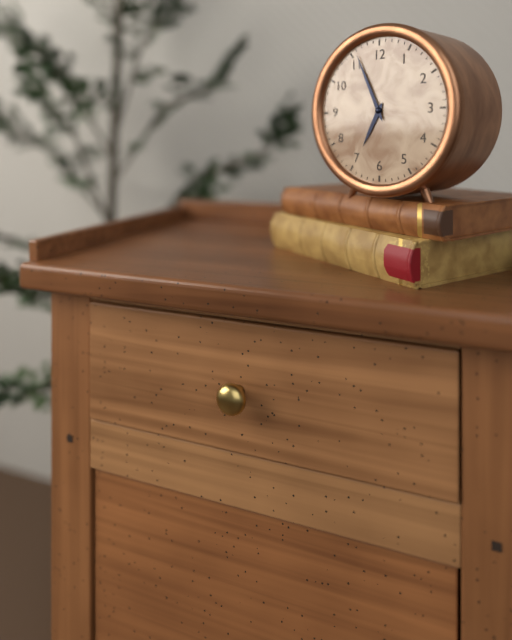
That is 6h56
